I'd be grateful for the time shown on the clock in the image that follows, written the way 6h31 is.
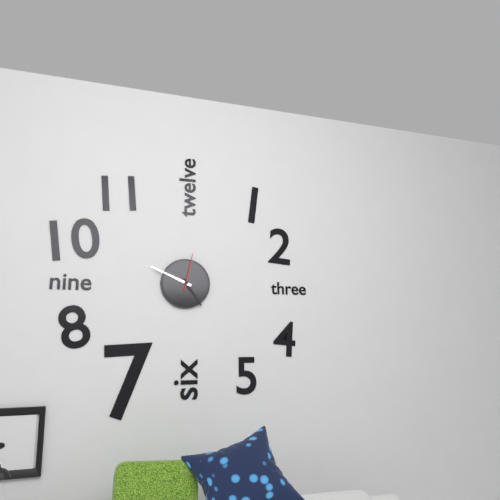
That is 4h49
